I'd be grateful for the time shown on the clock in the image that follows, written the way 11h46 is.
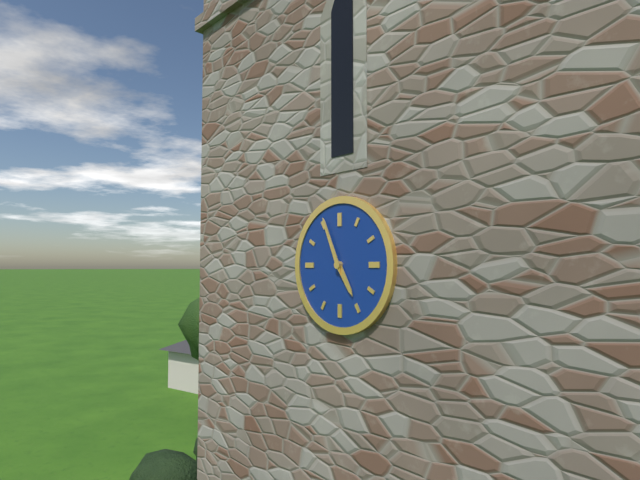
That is 4h56
